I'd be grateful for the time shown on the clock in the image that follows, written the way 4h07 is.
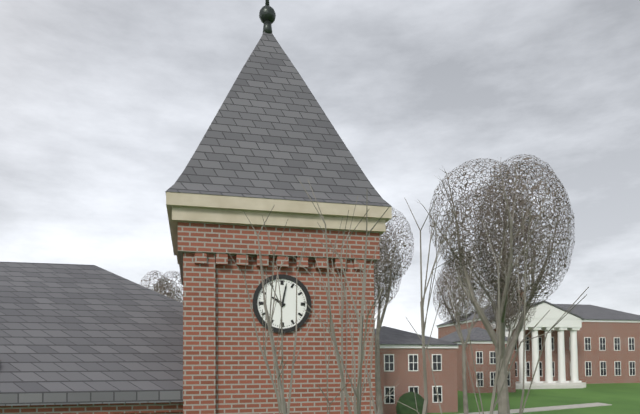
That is 10h02
